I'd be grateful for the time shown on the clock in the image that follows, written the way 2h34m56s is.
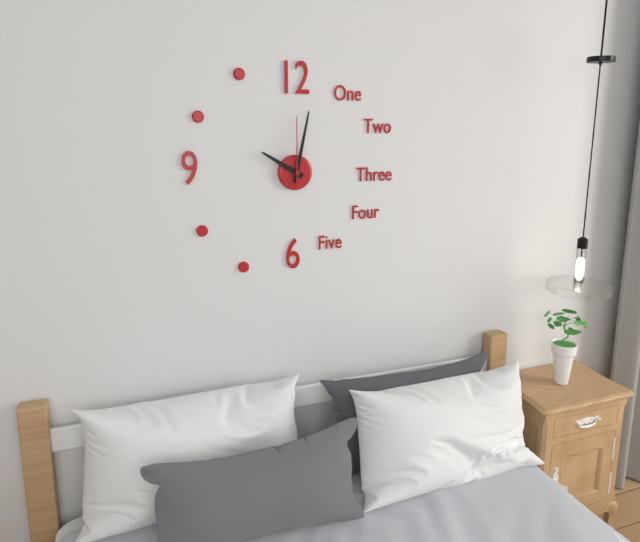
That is 10h02m00s
